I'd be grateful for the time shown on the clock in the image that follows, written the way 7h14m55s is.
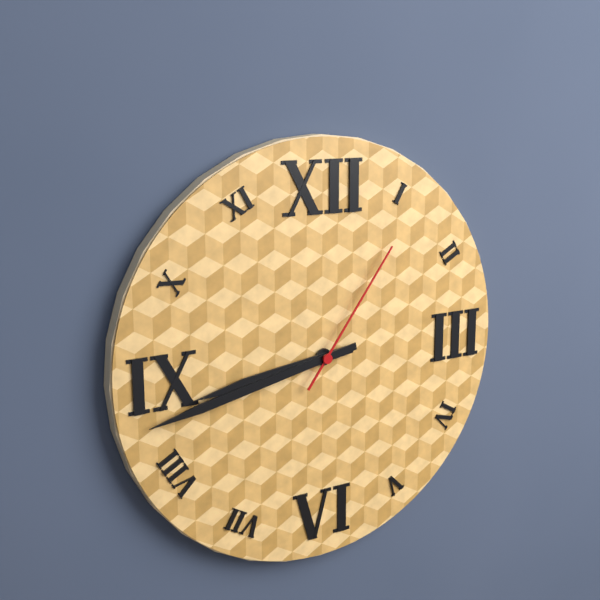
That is 8h43m06s
